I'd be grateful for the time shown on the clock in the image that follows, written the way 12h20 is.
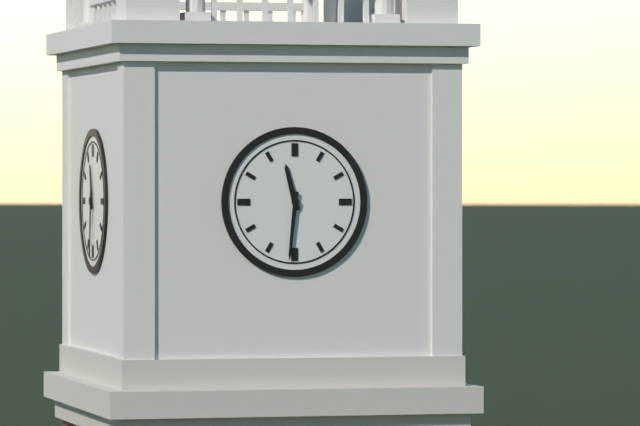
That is 11h31
